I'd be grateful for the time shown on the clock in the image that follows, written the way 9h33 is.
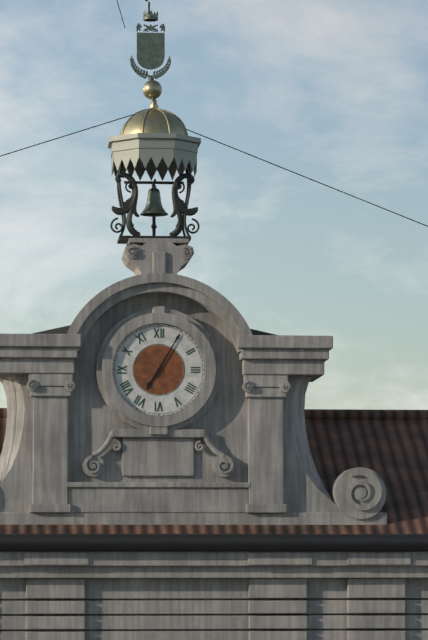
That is 7h05
